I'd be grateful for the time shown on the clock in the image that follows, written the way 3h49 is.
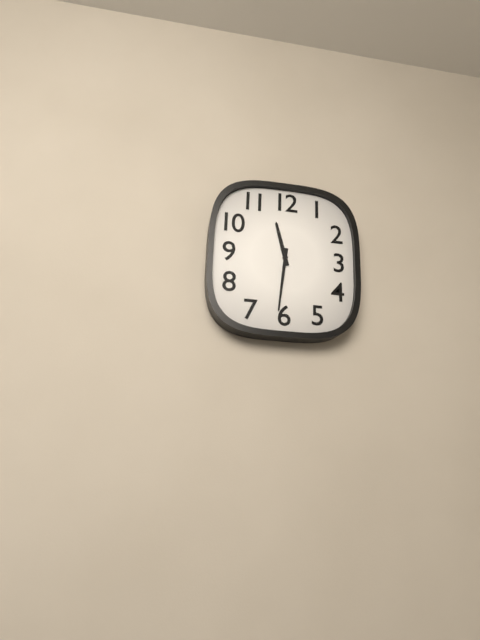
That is 11h31
